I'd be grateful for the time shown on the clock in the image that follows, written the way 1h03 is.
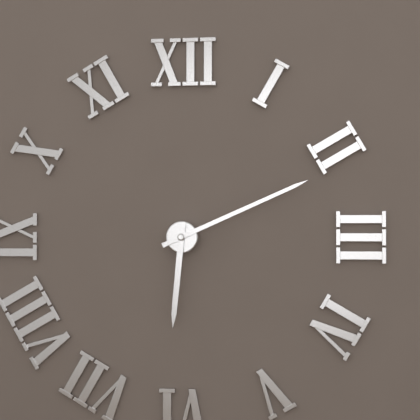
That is 6h11
